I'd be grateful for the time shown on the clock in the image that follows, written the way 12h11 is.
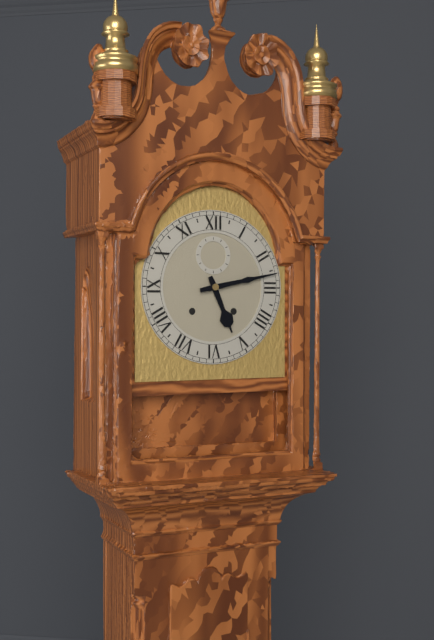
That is 5h13
